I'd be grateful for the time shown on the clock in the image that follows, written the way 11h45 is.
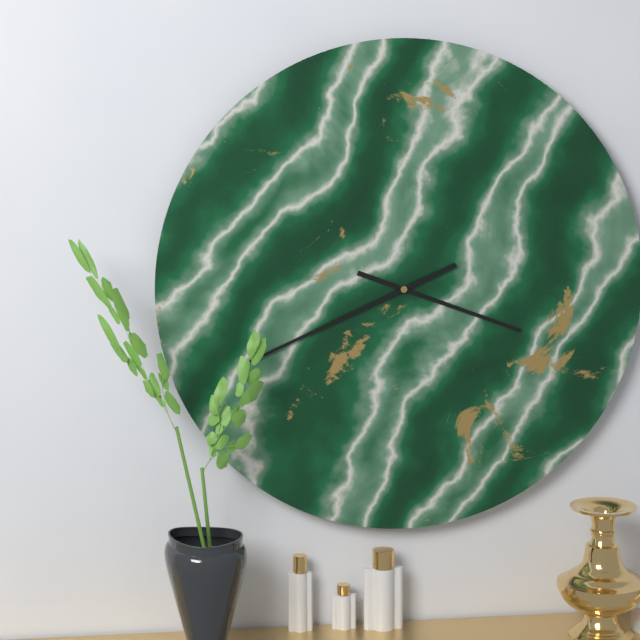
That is 3h41
